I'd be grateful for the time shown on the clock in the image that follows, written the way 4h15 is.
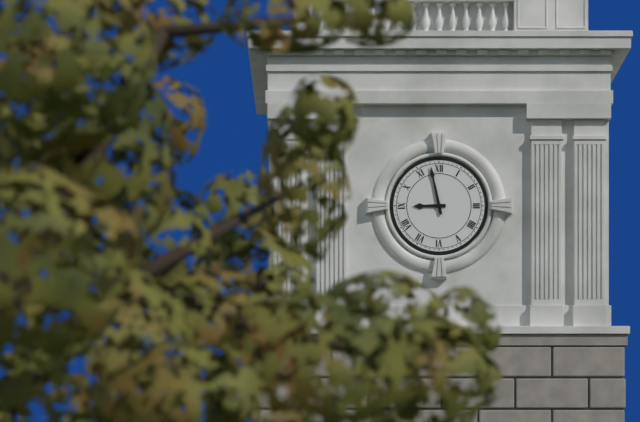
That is 8h58
